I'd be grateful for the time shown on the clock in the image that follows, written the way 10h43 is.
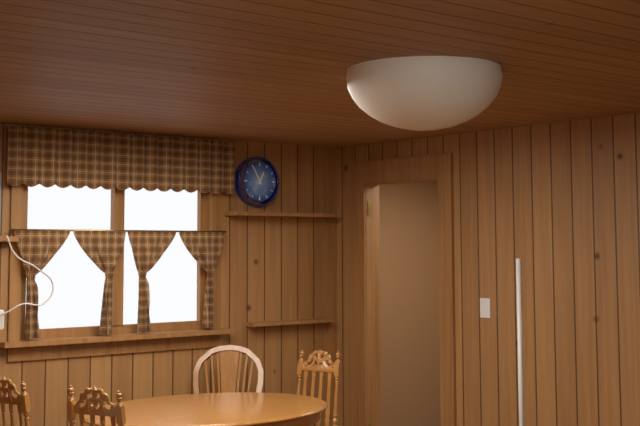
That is 12h55
